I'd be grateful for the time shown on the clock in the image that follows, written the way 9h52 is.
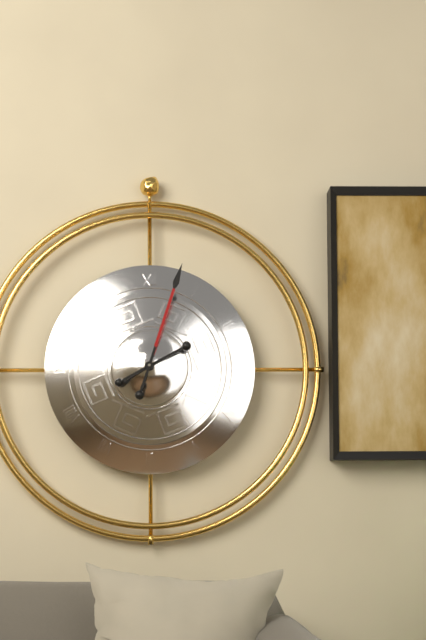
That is 2h03
